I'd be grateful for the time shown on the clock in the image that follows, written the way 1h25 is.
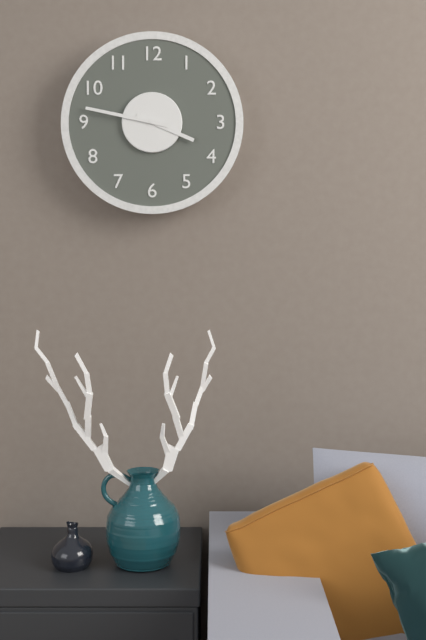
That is 3h47
